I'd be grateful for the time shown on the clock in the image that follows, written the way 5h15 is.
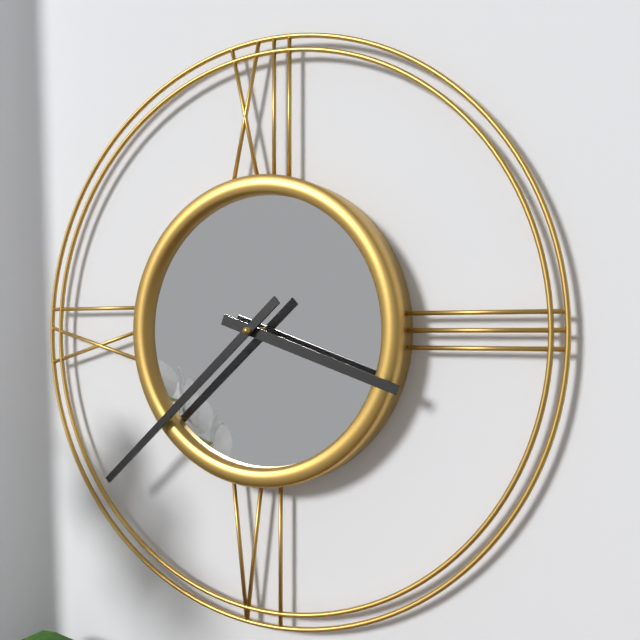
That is 3h38
